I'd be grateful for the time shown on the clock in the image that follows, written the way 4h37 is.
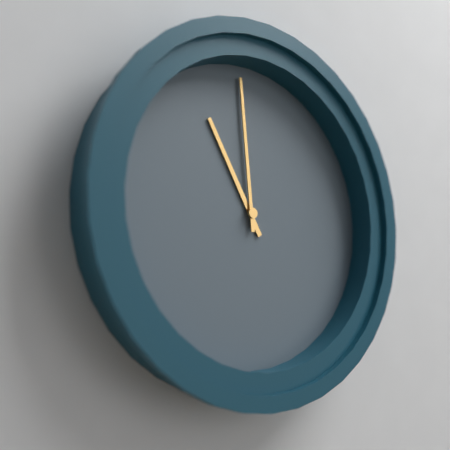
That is 10h59
